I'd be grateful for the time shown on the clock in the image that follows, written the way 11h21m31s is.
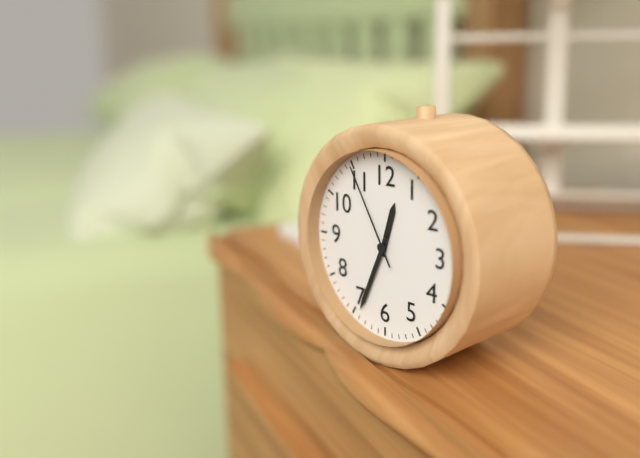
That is 12h34m55s
